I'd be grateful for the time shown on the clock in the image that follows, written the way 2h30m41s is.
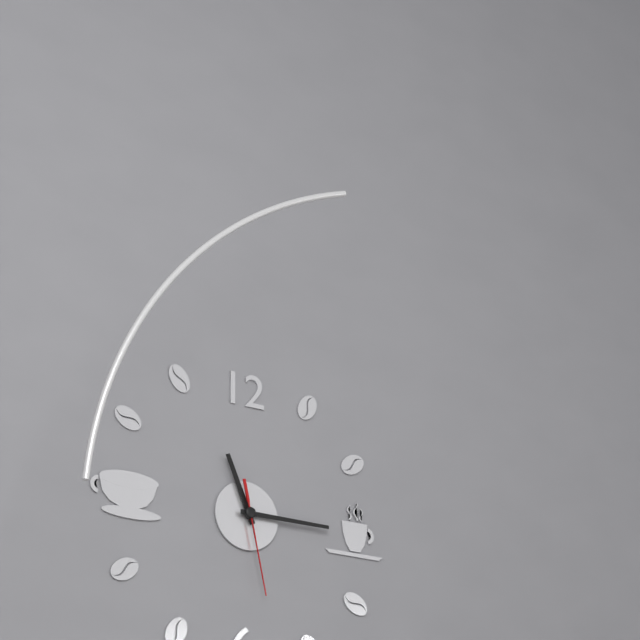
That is 11h15m28s
